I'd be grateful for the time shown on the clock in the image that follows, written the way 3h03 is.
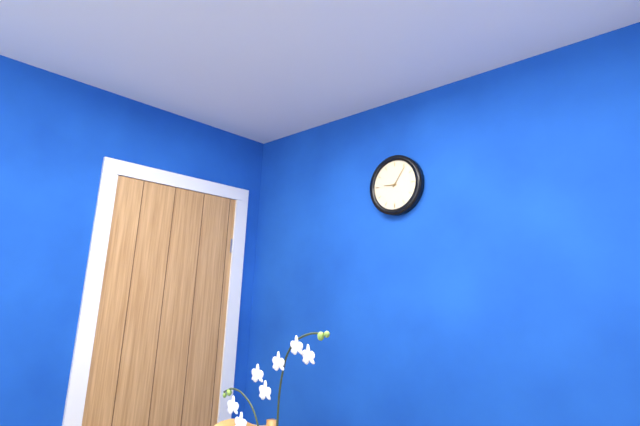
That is 9h06
